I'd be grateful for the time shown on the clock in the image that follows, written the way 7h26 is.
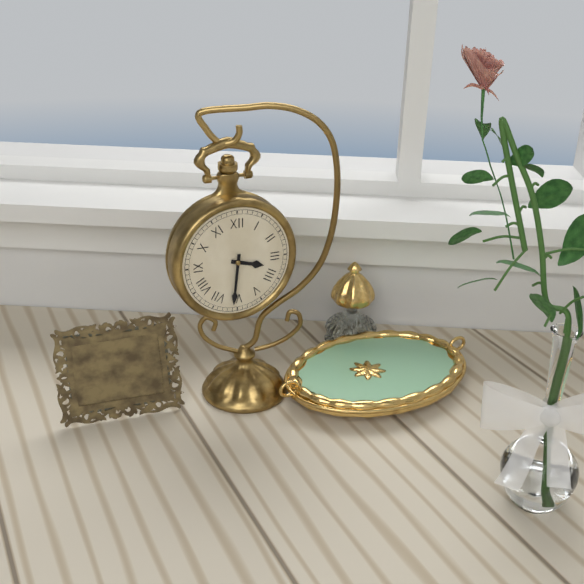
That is 3h31
